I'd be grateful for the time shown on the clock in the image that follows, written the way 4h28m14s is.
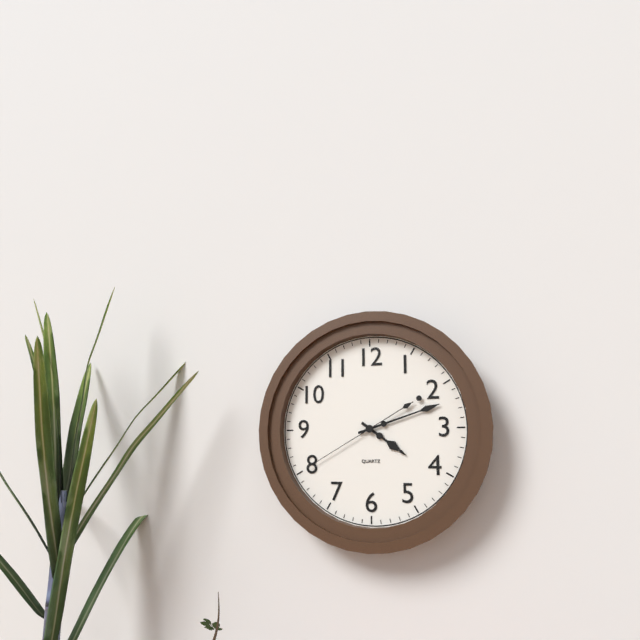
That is 4h12m40s
